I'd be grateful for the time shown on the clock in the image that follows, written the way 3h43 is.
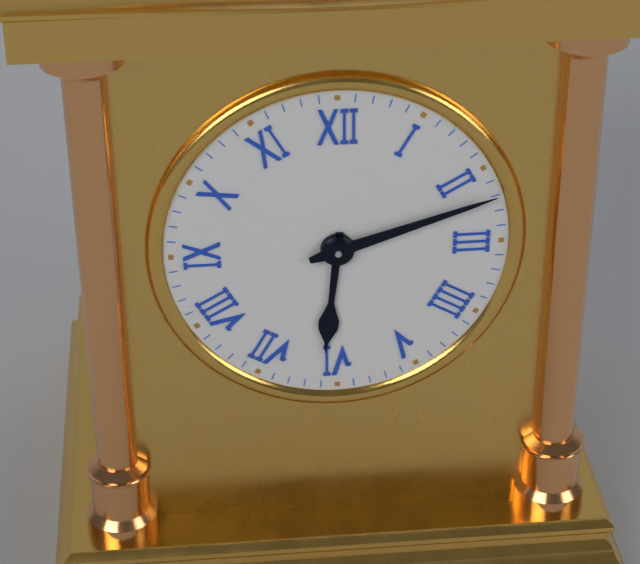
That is 6h12
